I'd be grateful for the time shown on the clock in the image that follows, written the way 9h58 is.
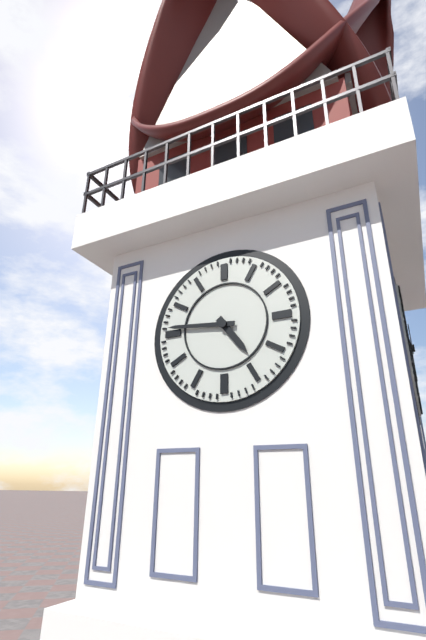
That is 4h46
